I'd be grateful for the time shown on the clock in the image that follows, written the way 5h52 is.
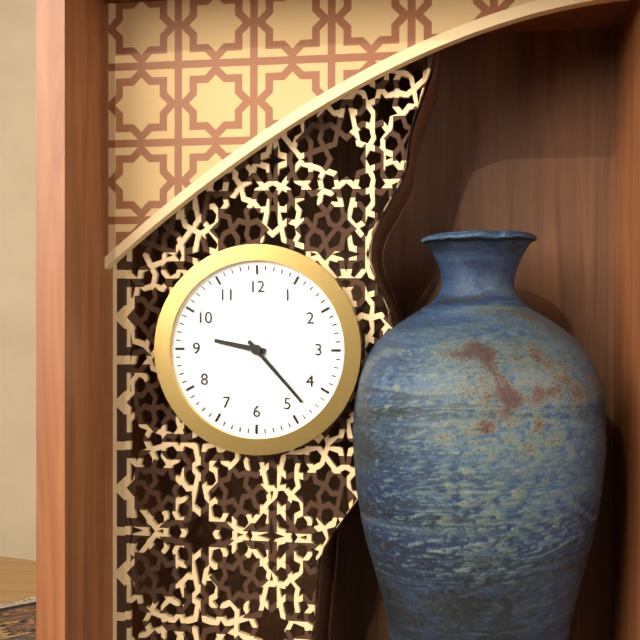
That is 9h23
